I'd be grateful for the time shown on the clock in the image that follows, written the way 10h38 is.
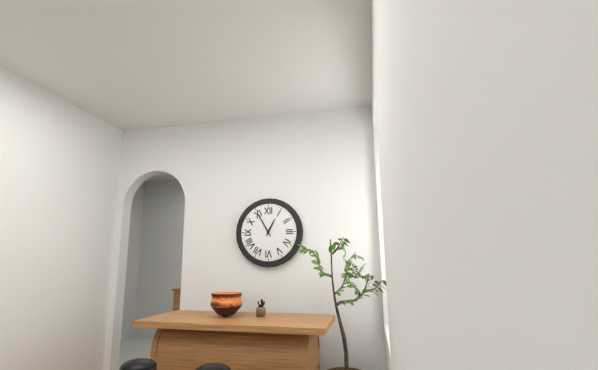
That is 12h55
